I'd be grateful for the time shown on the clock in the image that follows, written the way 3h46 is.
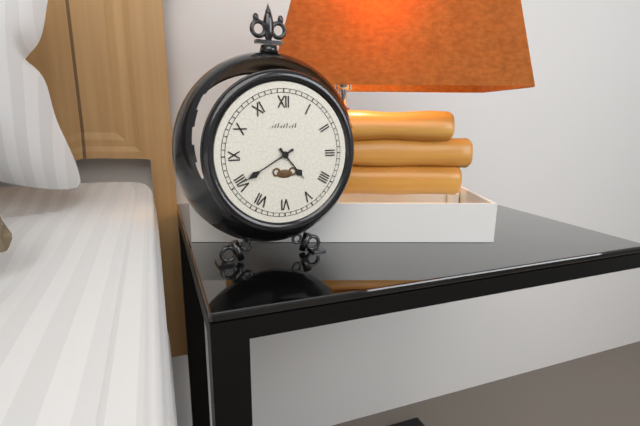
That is 4h40
